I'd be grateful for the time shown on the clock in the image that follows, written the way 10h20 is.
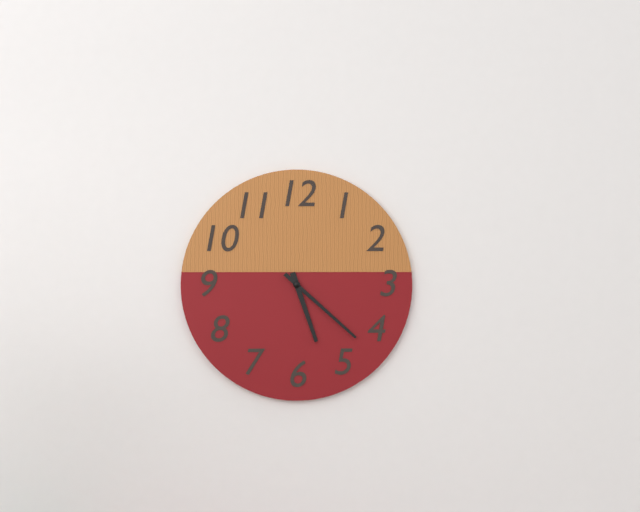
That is 5h22
